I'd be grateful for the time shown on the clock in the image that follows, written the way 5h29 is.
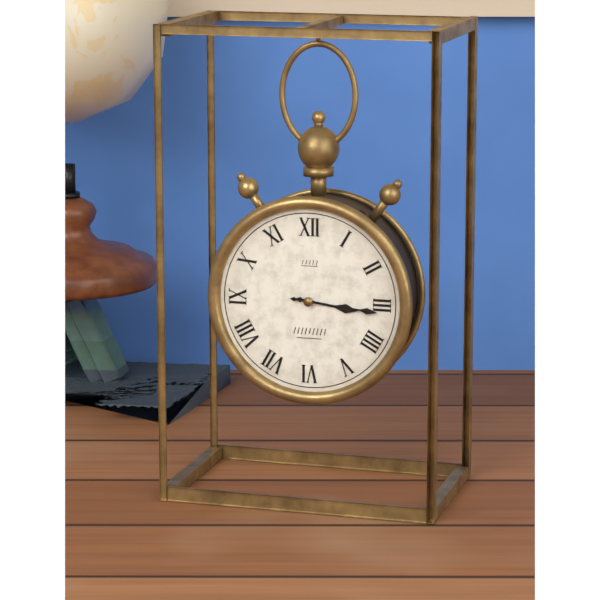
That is 3h16
